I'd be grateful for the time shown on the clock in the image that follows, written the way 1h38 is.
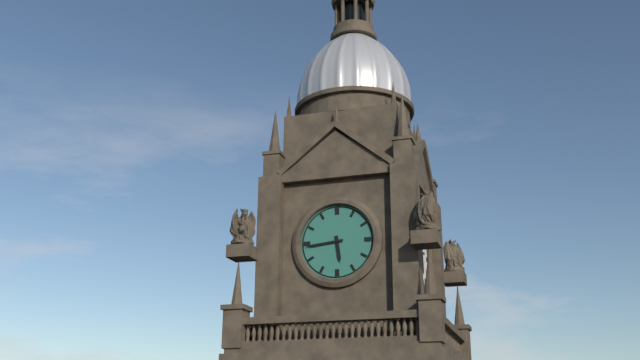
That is 5h44
